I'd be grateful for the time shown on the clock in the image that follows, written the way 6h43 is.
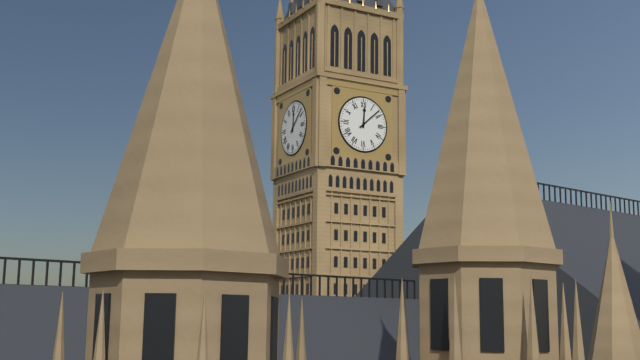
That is 12h08
